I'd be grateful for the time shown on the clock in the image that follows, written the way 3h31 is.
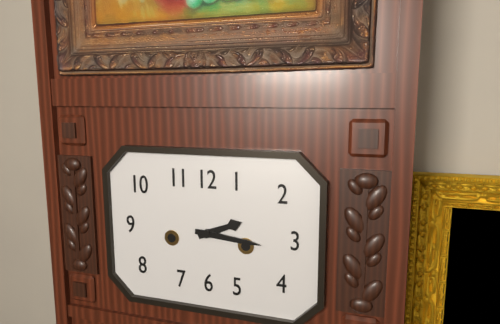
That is 2h16
